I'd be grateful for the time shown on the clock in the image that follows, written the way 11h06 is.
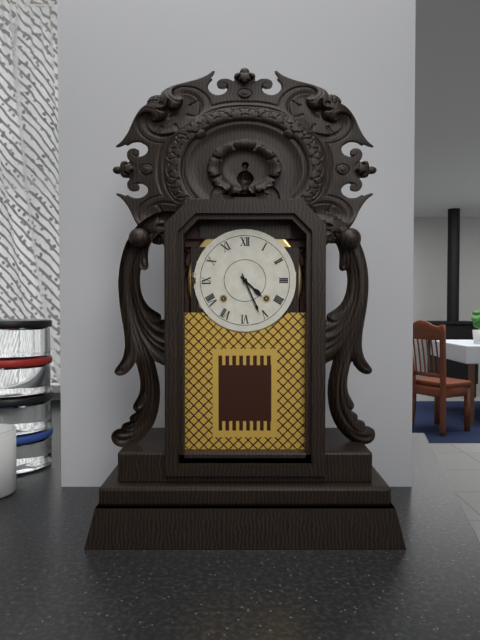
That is 4h26
